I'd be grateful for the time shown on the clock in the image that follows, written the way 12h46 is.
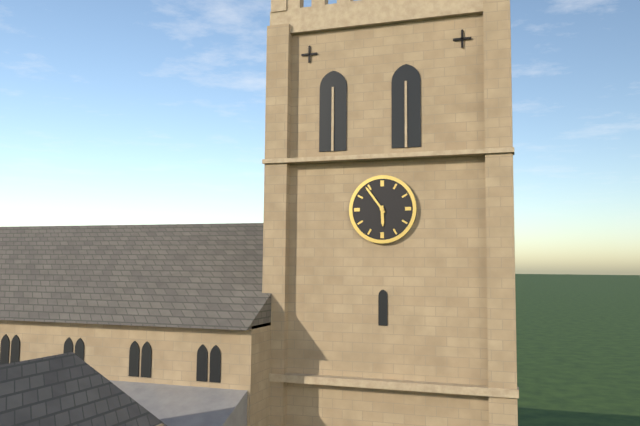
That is 5h54
